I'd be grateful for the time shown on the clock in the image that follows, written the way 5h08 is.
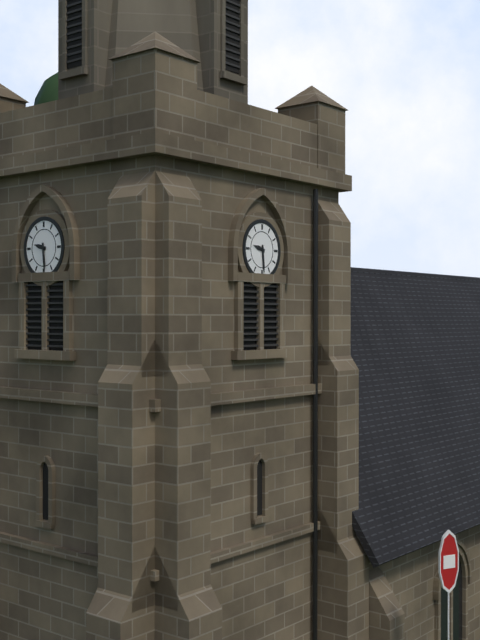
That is 9h29
